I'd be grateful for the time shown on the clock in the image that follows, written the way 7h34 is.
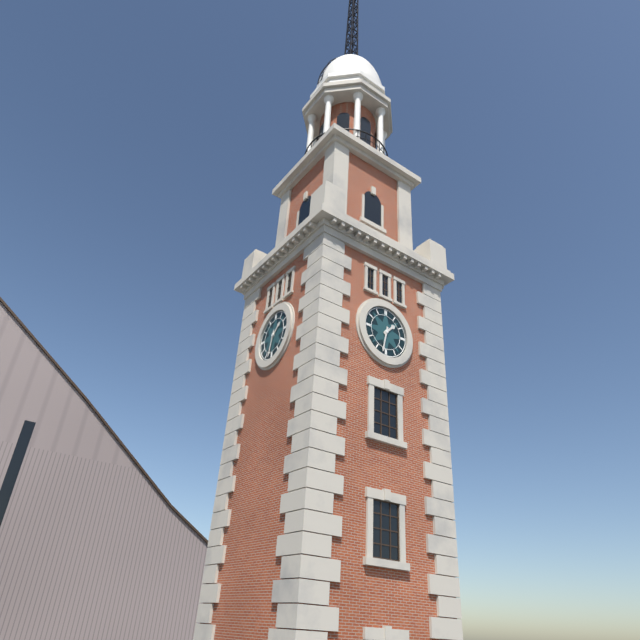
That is 1h32
